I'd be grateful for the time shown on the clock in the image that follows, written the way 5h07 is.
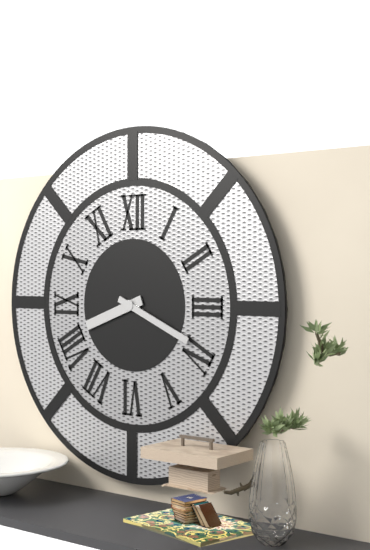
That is 8h19
